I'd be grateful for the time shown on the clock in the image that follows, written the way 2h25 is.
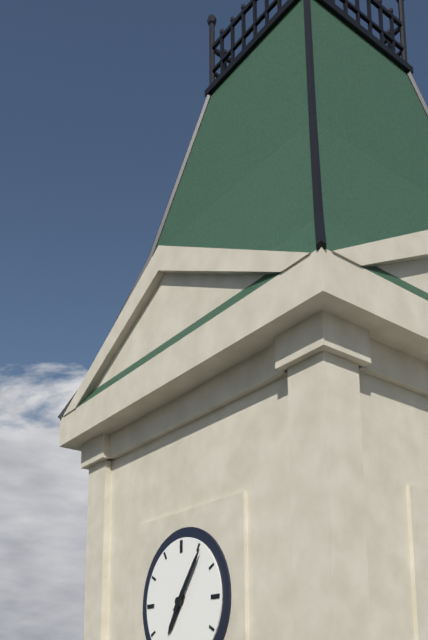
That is 7h06
